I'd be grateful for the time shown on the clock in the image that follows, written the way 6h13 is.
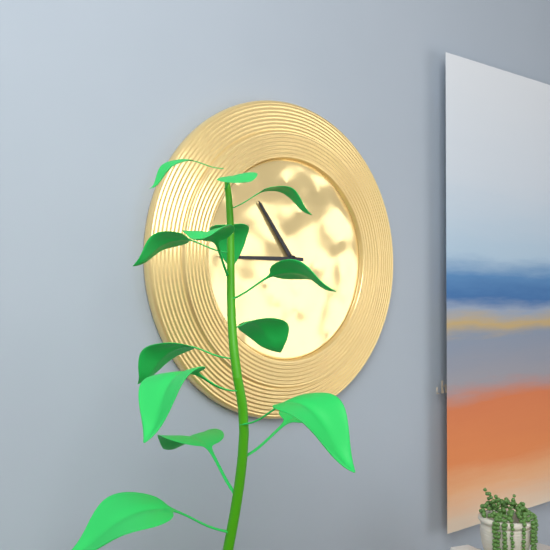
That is 10h45
